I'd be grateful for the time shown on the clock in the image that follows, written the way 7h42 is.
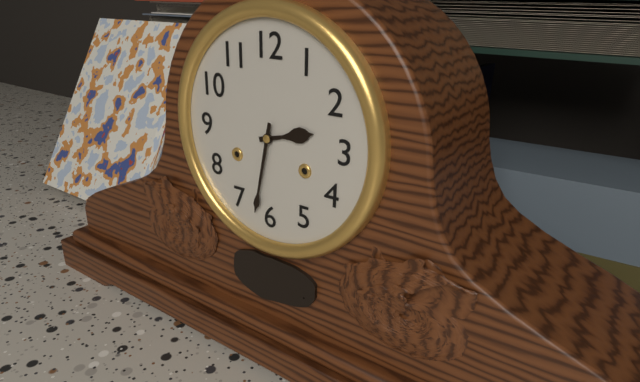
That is 2h32
